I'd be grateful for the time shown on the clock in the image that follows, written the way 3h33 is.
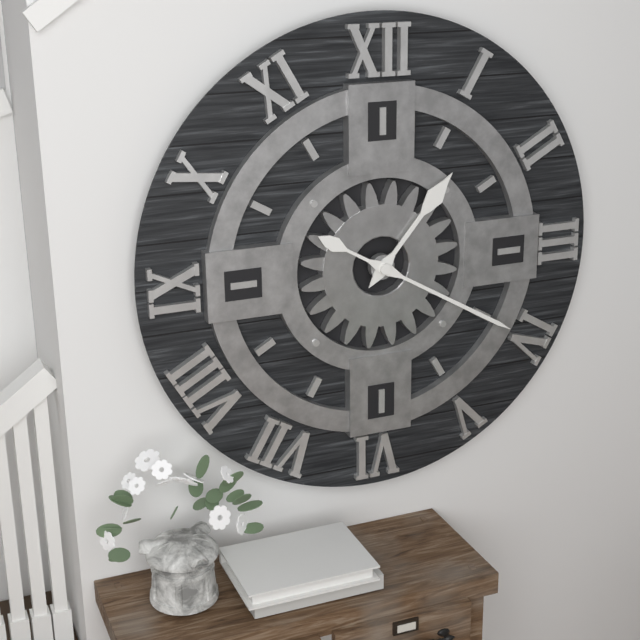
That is 1h20
